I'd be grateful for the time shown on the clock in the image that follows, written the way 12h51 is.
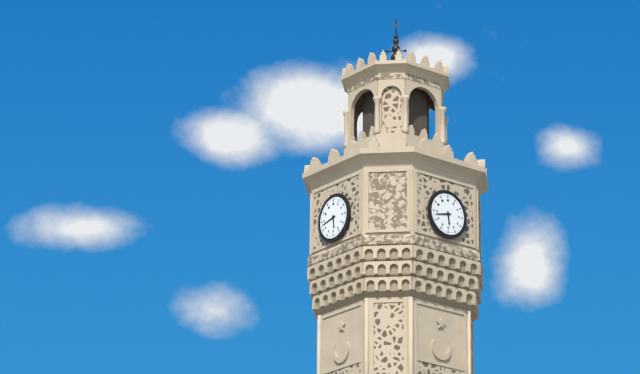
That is 5h43
